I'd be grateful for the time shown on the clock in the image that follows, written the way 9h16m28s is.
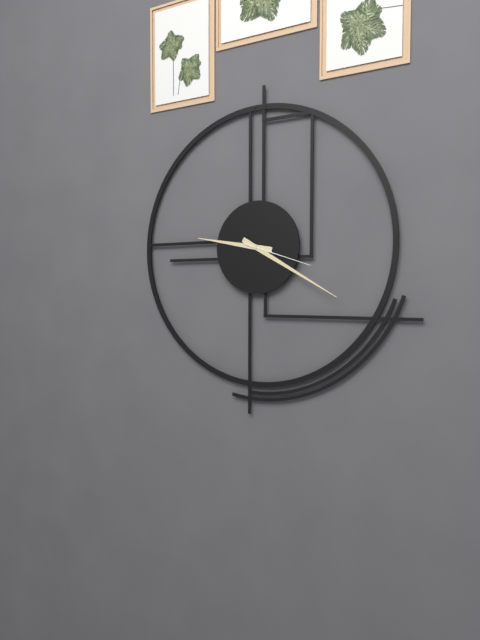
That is 9h20m18s
